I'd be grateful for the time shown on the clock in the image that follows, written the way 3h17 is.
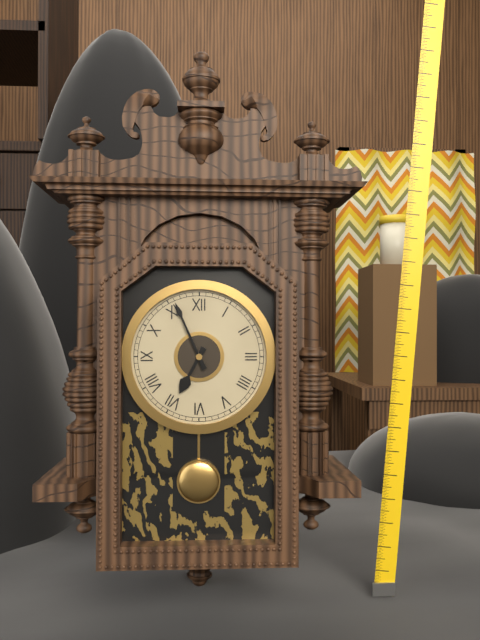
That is 6h56
